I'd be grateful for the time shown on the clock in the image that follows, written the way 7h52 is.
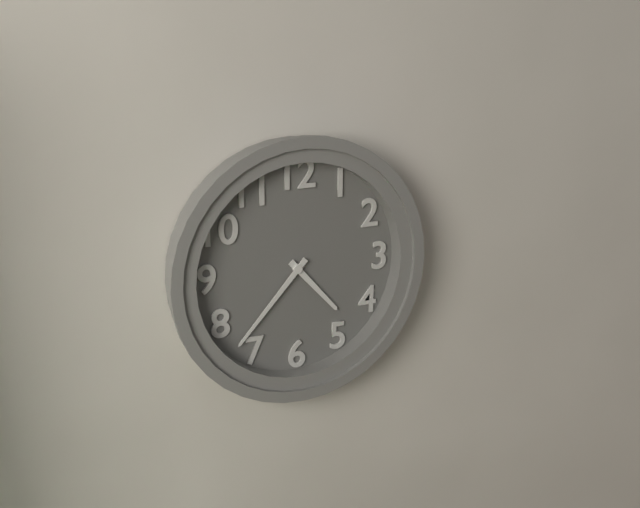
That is 4h37
